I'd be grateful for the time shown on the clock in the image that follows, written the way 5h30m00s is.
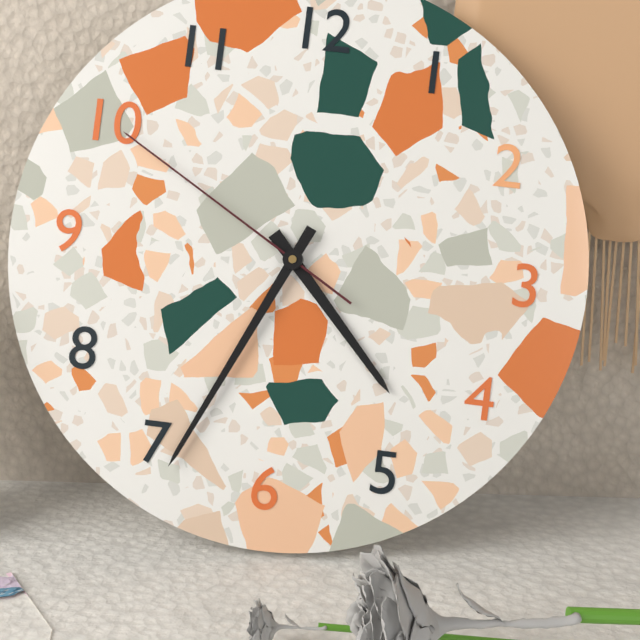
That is 4h34m50s
